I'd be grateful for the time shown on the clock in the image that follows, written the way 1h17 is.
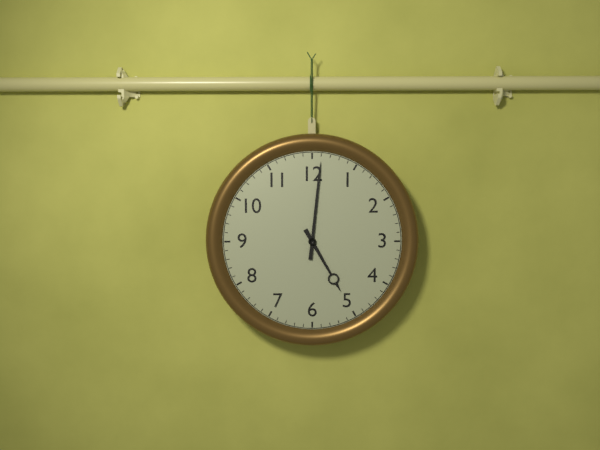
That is 5h01
